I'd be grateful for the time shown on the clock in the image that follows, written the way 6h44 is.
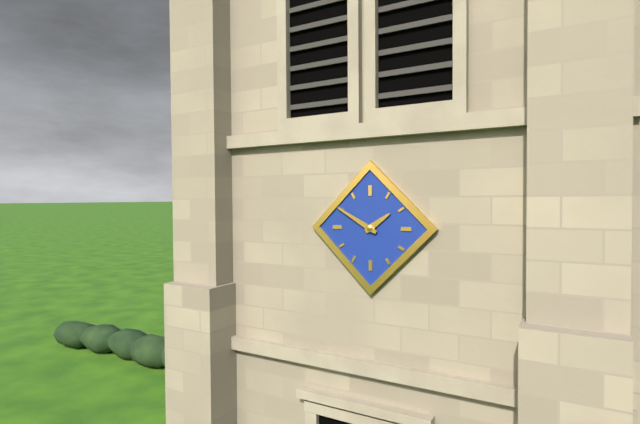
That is 1h50
